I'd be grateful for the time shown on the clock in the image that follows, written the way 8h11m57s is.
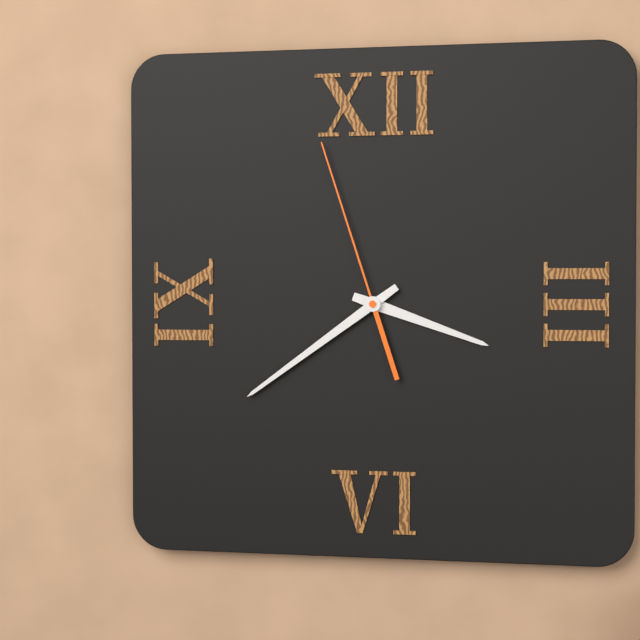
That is 3h39m57s
